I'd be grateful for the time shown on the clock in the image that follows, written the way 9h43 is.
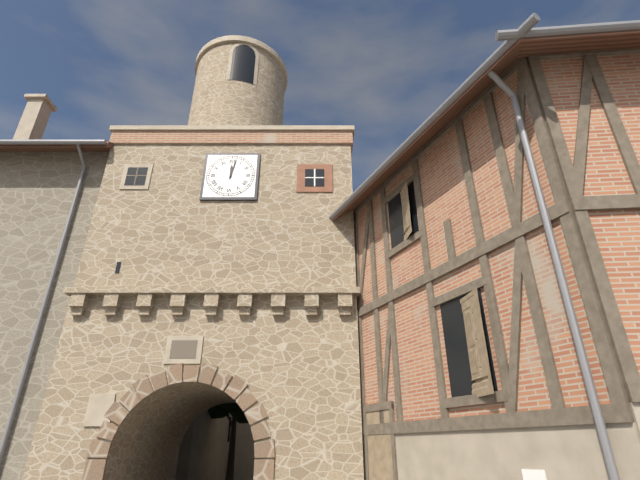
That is 12h02
